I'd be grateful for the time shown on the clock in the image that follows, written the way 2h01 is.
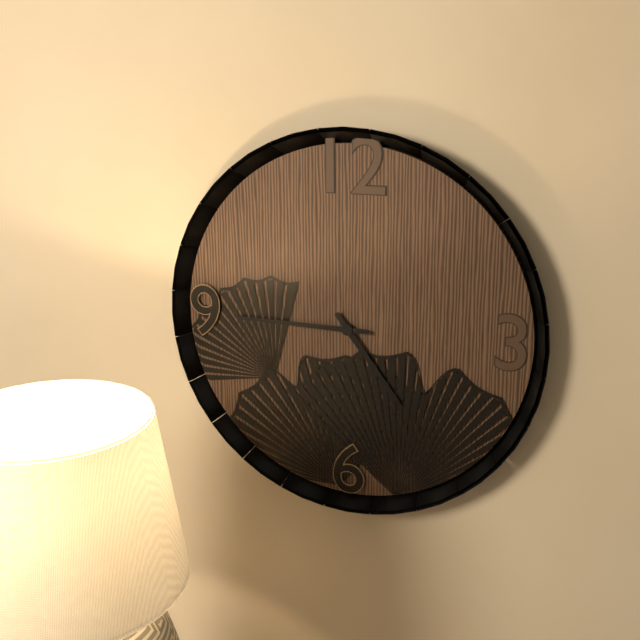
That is 4h45
